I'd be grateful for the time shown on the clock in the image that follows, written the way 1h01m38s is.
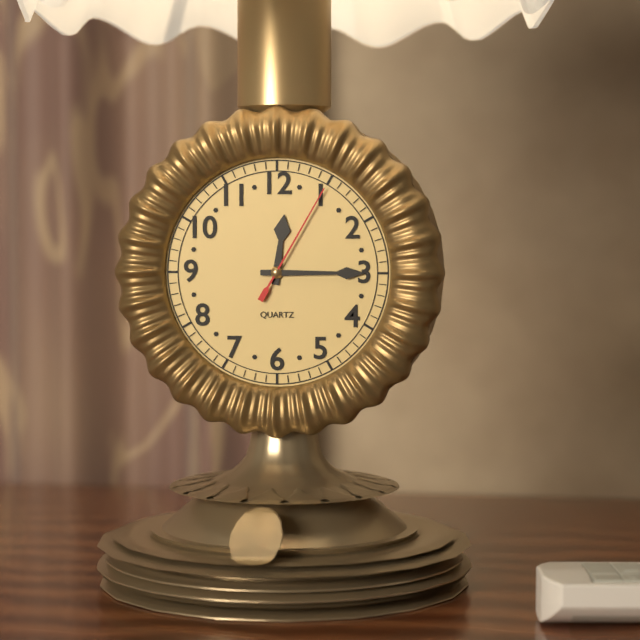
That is 12h15m05s
